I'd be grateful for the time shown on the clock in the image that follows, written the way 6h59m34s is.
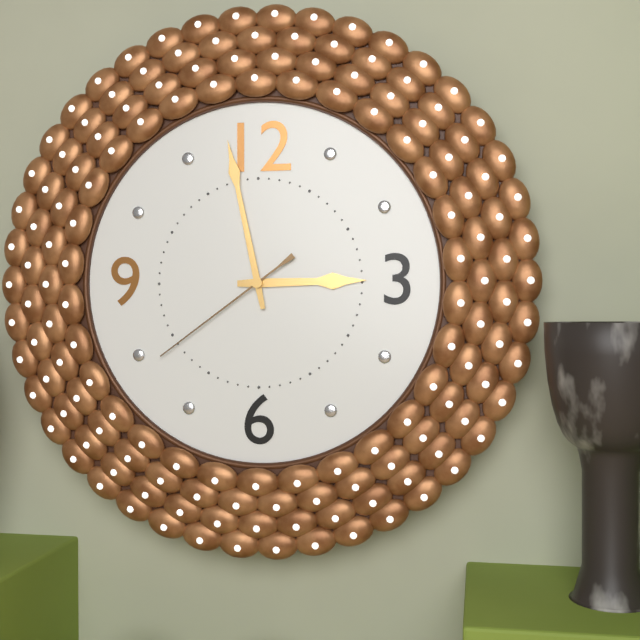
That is 2h58m39s
